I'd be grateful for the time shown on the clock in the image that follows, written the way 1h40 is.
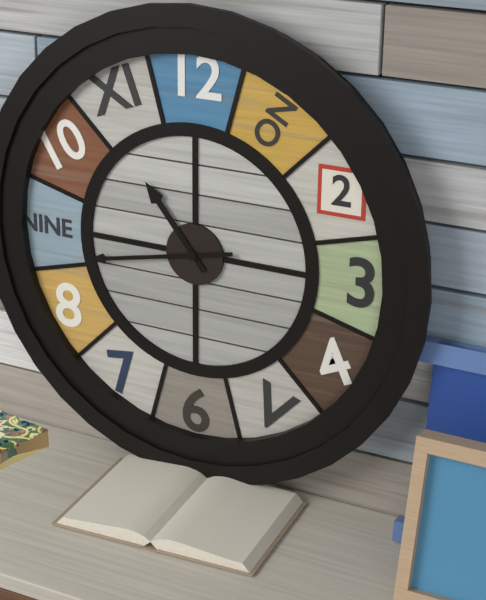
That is 10h43
